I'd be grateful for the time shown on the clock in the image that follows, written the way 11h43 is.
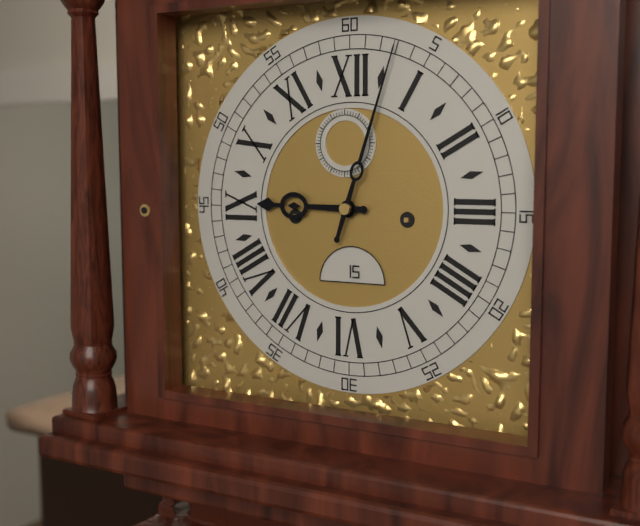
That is 9h03
